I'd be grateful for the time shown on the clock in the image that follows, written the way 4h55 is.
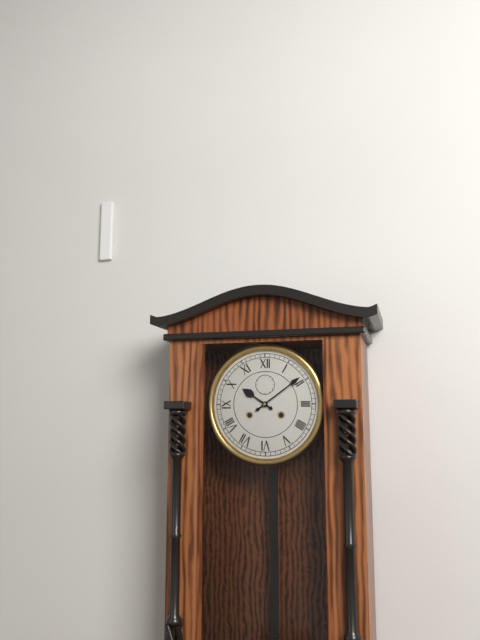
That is 10h09
